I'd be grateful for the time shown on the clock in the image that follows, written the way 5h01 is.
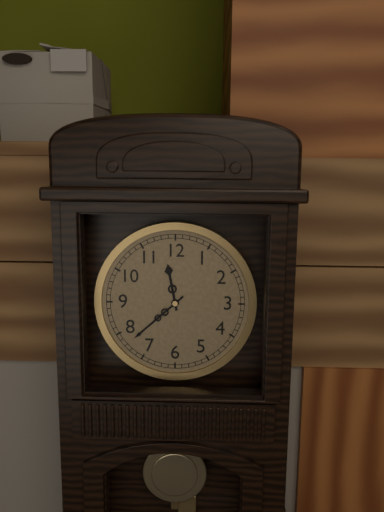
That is 11h38
